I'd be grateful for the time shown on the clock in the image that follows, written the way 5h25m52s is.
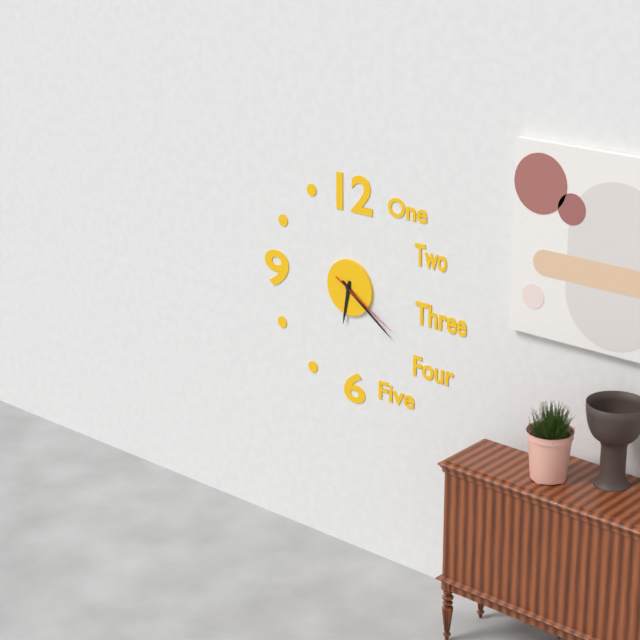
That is 6h21m20s
